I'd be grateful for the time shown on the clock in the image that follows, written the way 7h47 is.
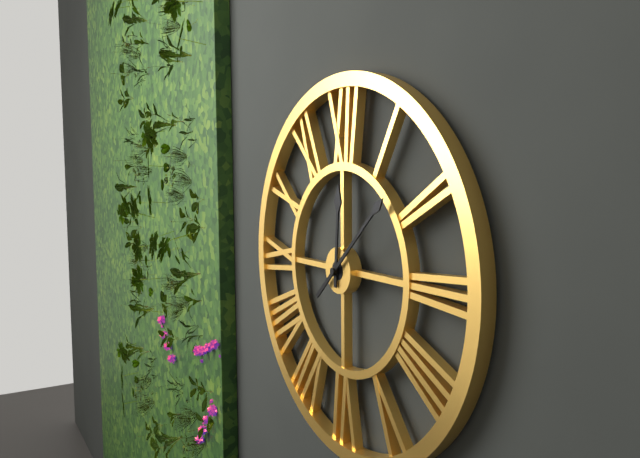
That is 12h08
